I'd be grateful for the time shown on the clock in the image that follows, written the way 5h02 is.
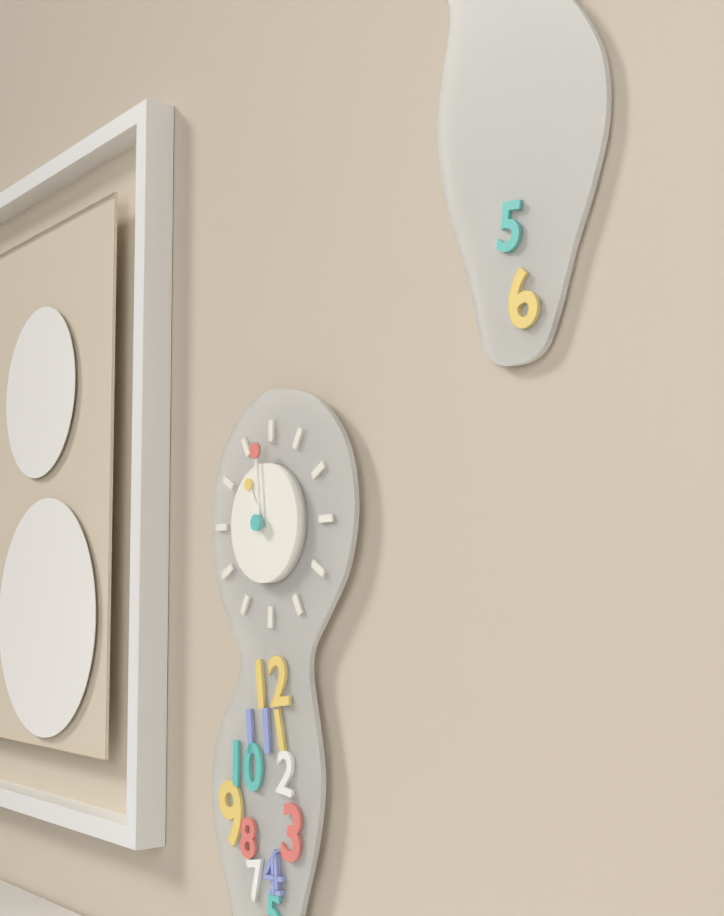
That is 10h59
